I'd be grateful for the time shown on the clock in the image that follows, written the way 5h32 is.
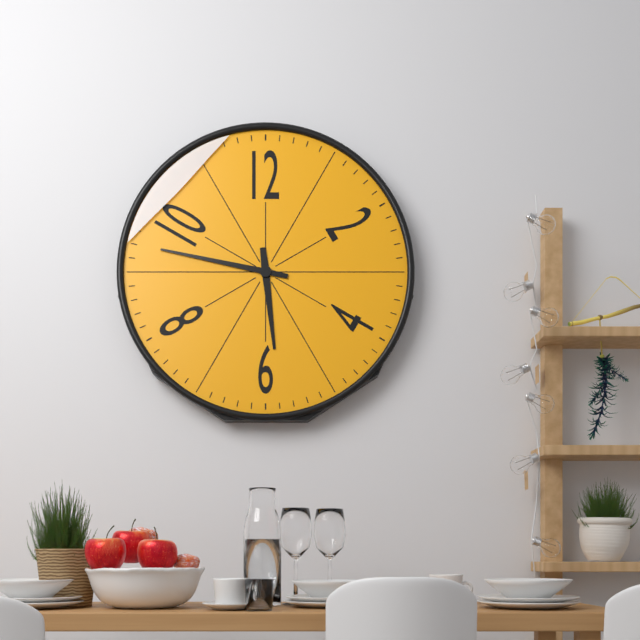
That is 5h47
